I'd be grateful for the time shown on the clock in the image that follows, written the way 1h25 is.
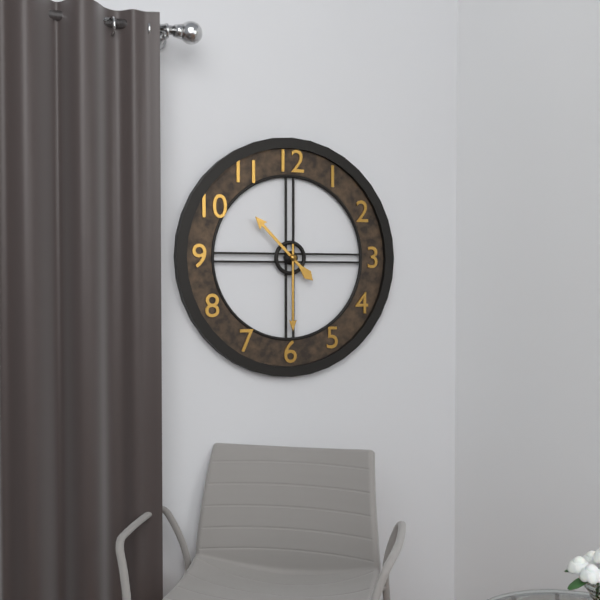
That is 10h30
